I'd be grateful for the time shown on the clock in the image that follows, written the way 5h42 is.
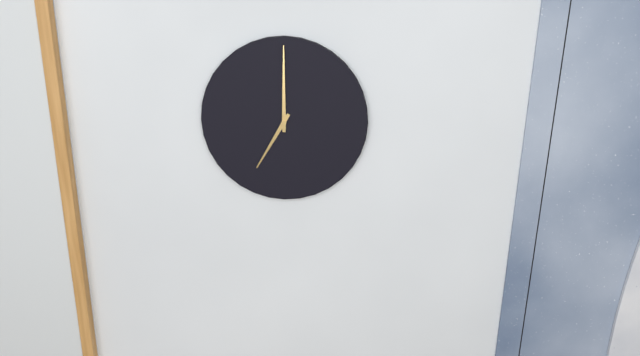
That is 7h00
